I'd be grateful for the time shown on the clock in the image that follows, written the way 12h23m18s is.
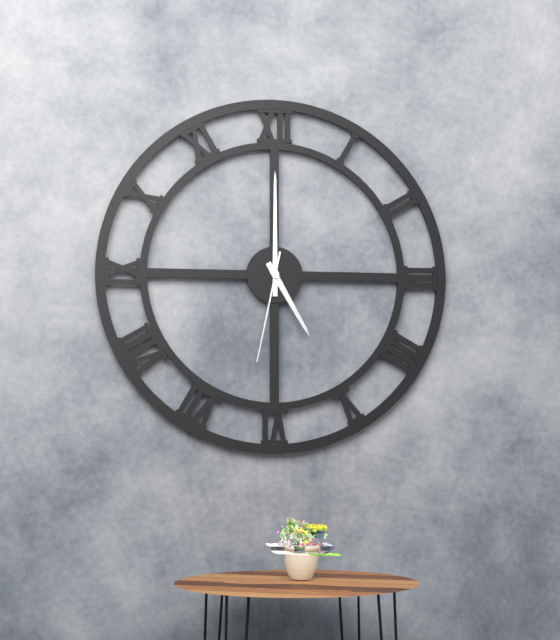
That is 5h00m32s
